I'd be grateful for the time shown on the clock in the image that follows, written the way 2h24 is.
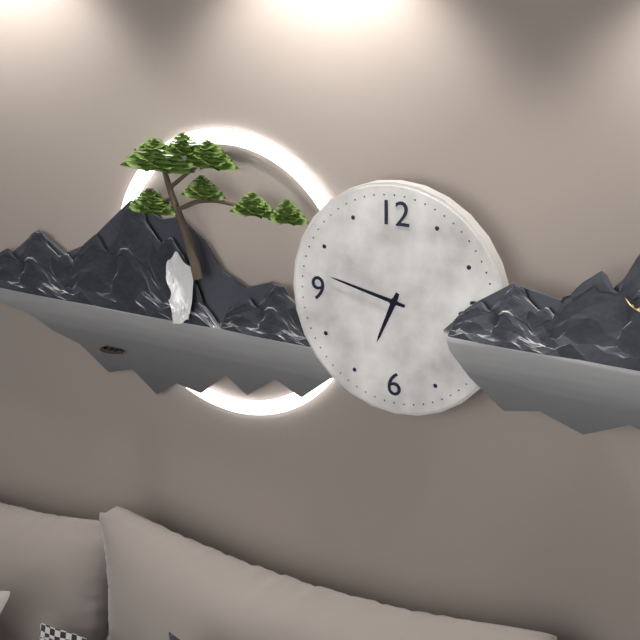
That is 6h47
